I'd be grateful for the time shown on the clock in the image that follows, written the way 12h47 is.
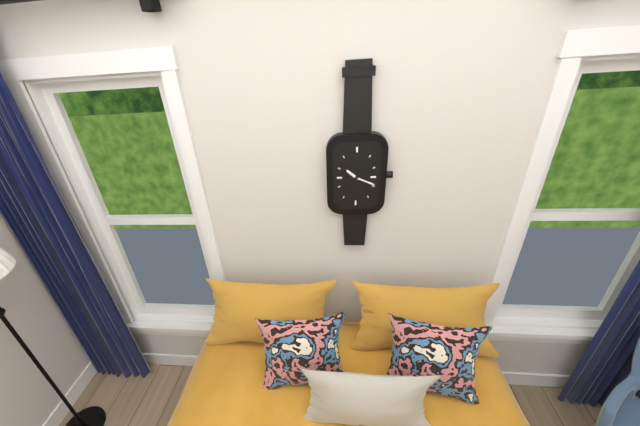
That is 10h19
